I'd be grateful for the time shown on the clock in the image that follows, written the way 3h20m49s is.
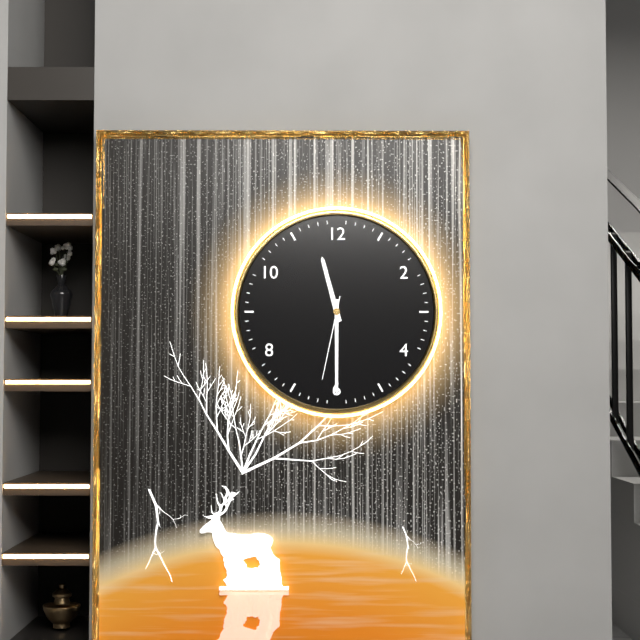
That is 11h30m32s
